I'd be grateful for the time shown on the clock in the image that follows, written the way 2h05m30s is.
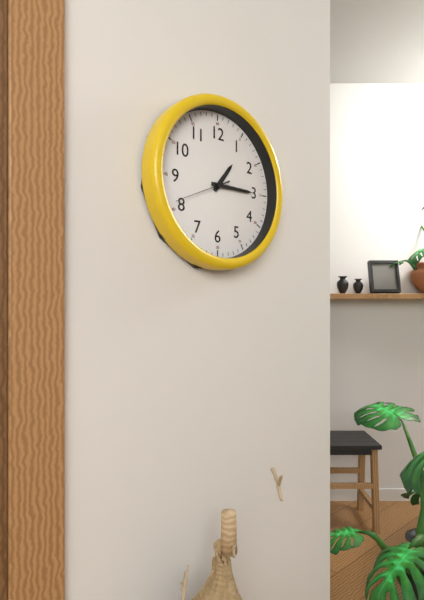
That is 1h15m41s
